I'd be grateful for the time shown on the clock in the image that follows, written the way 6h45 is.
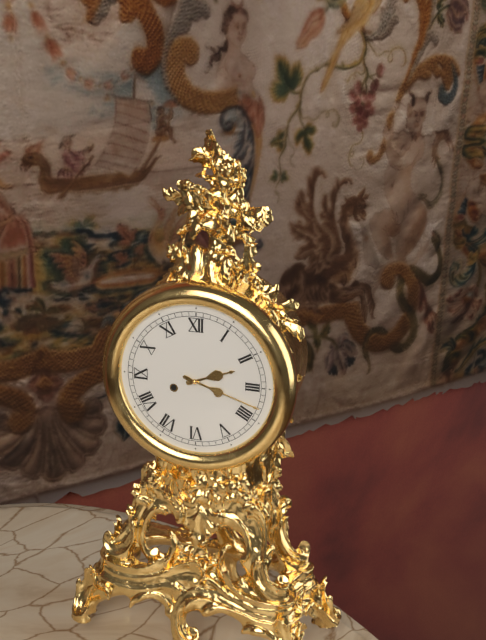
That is 2h18
